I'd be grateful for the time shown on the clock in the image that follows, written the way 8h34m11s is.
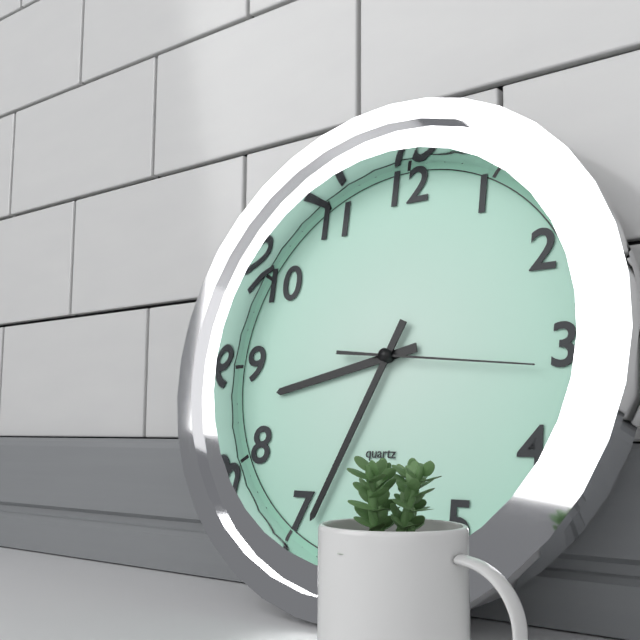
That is 8h34m16s
